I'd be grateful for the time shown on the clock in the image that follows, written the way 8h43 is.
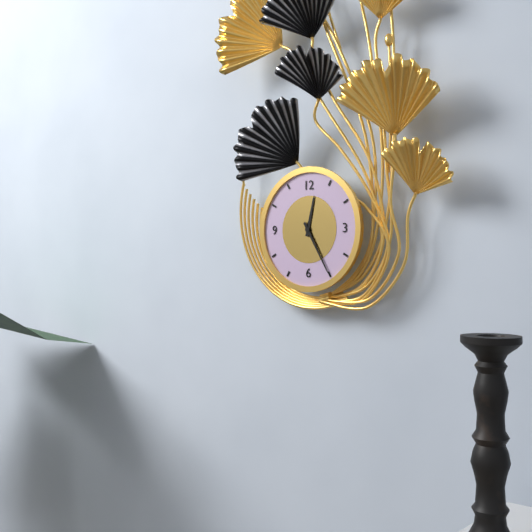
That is 12h25
